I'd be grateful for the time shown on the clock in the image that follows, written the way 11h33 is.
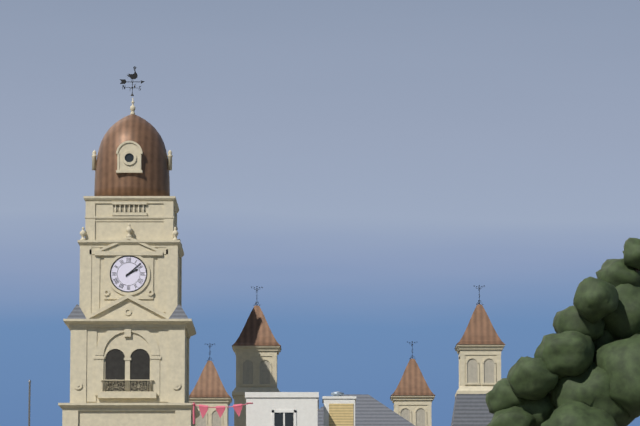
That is 2h08
